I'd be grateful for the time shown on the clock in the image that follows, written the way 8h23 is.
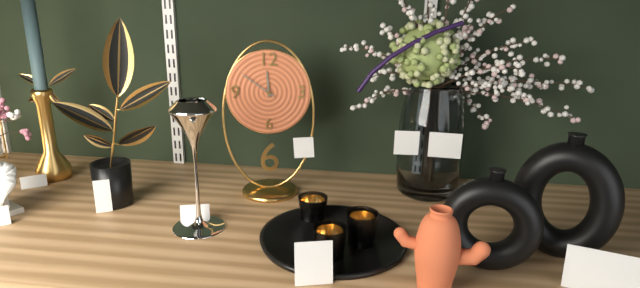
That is 11h51
